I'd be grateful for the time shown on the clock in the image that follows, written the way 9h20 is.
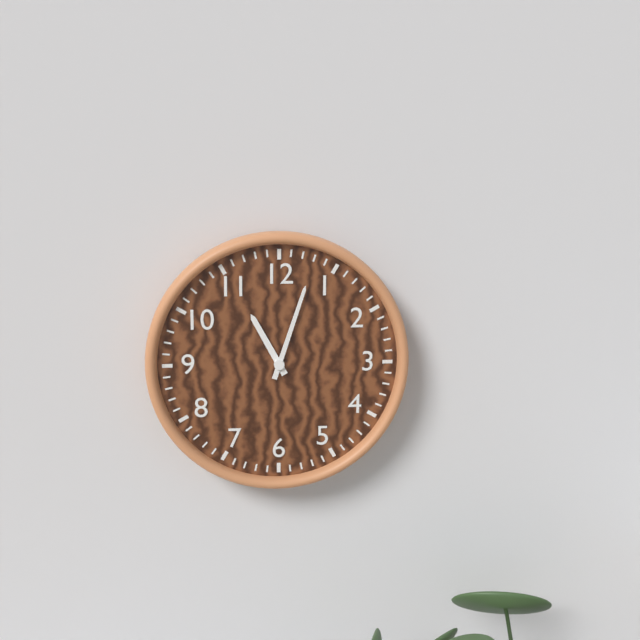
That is 11h03
